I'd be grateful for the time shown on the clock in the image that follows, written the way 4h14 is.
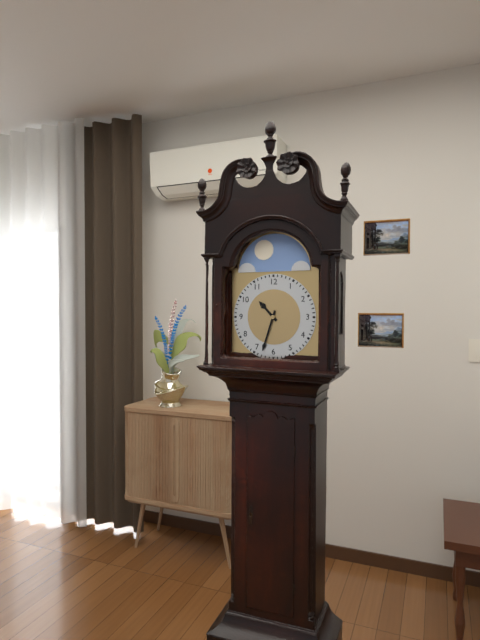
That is 10h33
